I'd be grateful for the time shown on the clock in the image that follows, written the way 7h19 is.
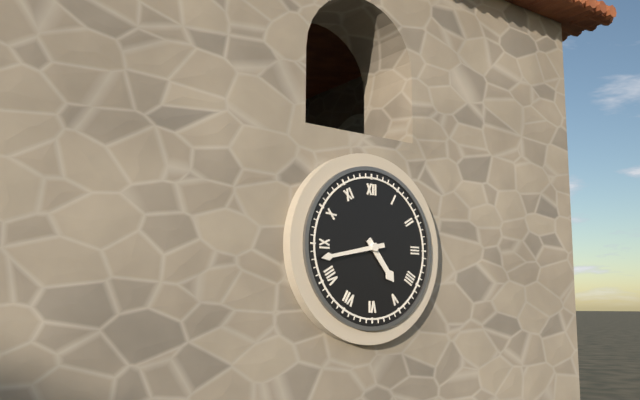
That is 4h43
